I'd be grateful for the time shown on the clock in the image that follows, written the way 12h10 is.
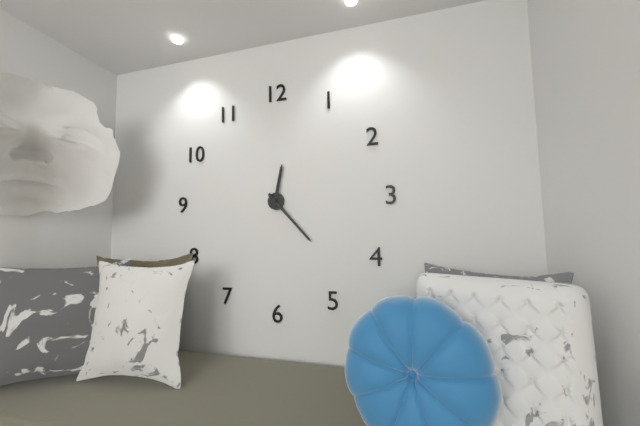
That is 12h23
